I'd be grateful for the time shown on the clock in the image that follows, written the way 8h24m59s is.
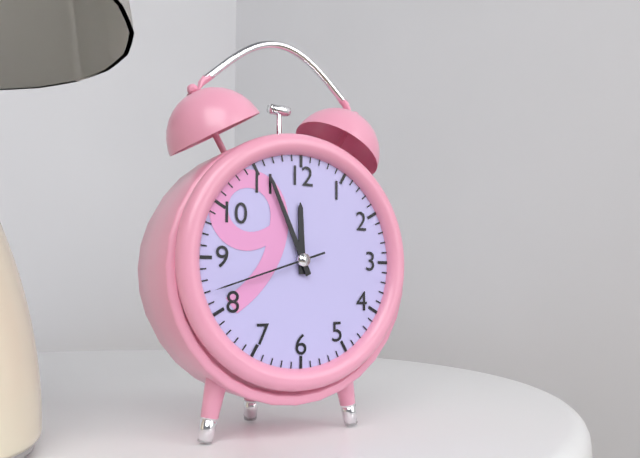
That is 11h56m42s
